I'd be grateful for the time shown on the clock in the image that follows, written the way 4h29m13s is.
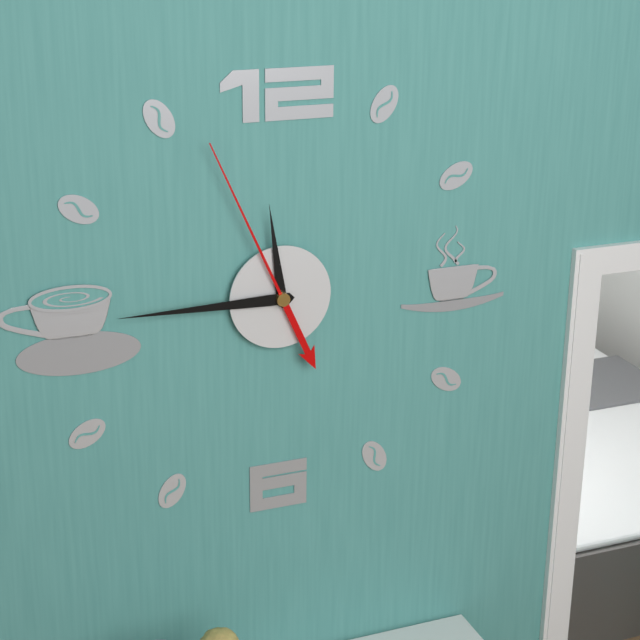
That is 11h45m56s
